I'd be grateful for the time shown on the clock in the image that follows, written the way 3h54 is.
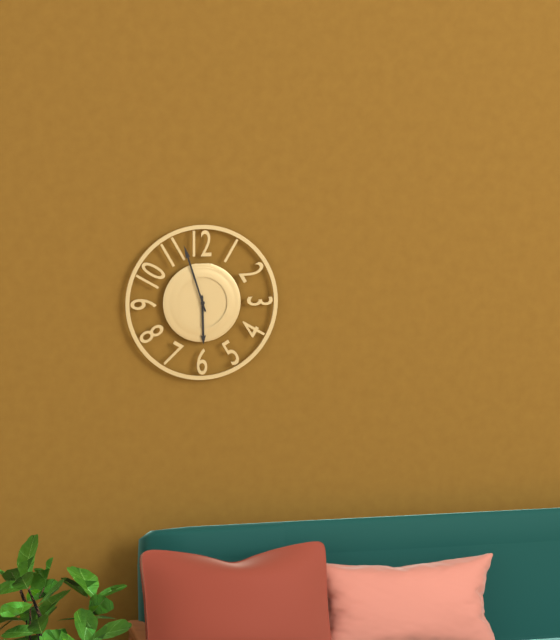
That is 5h57
